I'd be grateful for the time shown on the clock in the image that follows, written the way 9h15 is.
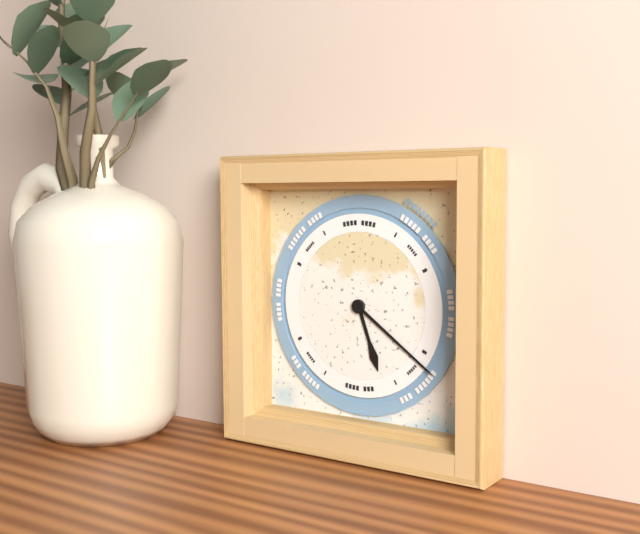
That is 5h21
